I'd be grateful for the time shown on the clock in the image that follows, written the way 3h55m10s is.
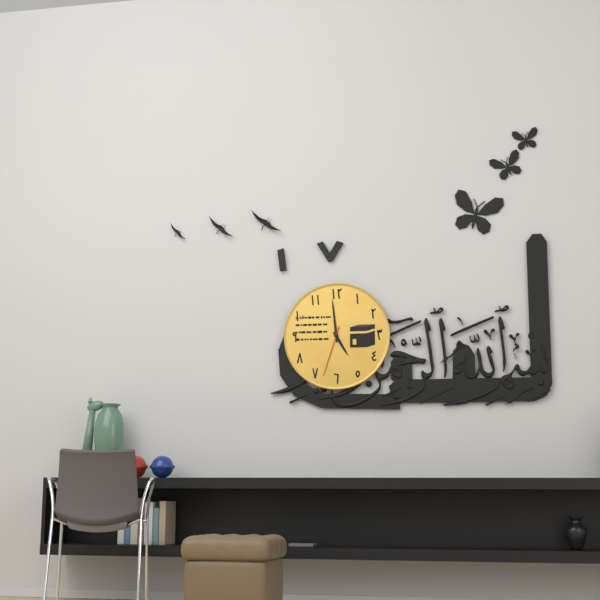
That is 4h59m33s
